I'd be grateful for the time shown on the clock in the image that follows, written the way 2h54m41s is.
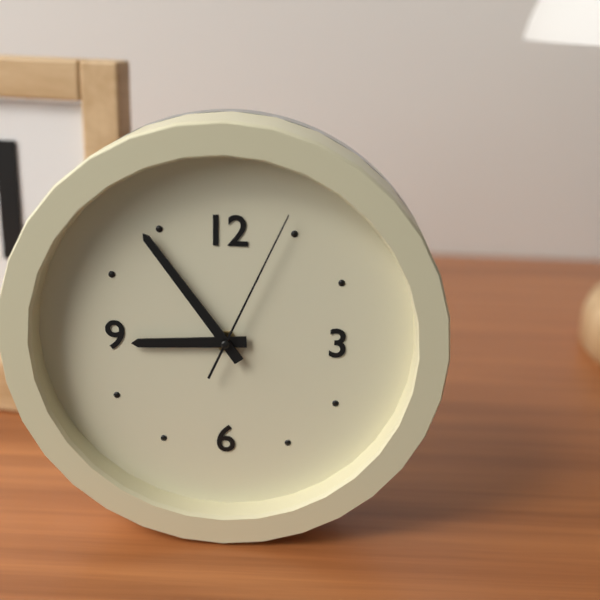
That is 8h54m04s
